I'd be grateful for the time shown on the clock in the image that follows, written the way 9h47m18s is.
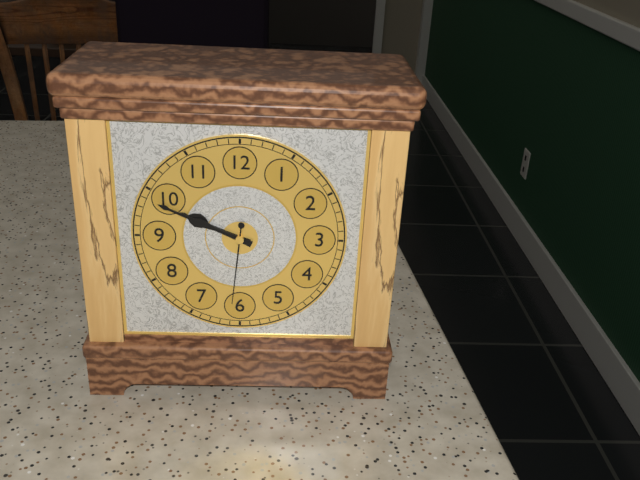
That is 9h49m31s
